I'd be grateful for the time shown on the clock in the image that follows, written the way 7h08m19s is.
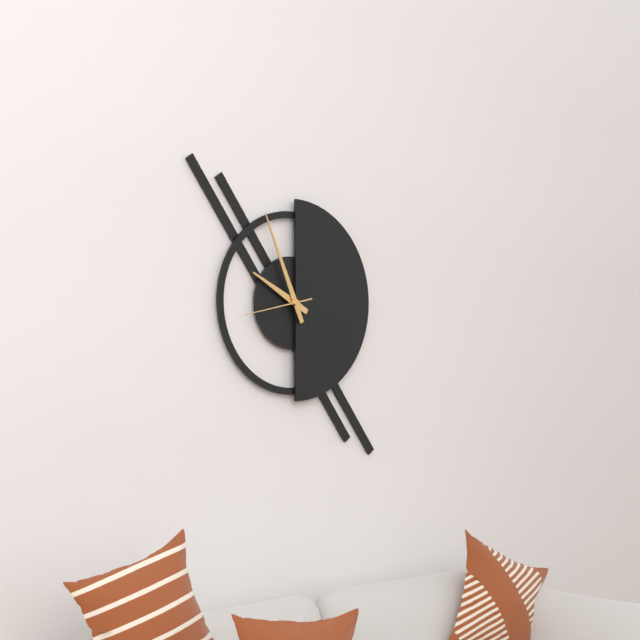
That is 9h56m43s
